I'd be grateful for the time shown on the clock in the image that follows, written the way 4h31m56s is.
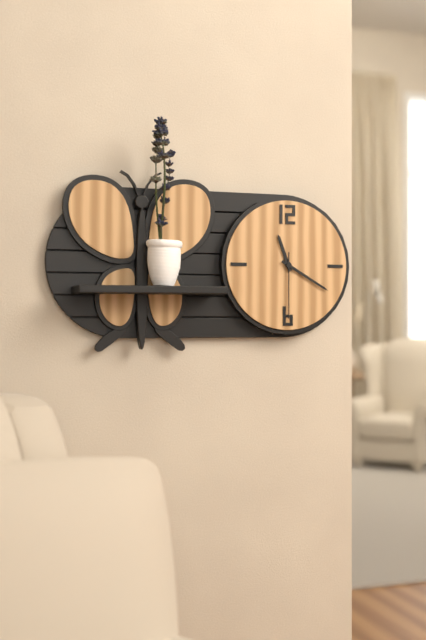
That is 11h20m30s
